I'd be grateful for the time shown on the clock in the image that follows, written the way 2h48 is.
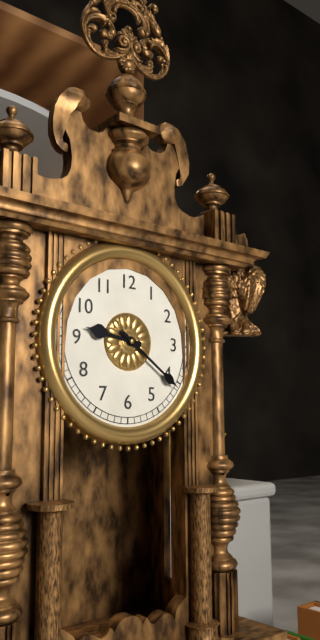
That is 9h21
